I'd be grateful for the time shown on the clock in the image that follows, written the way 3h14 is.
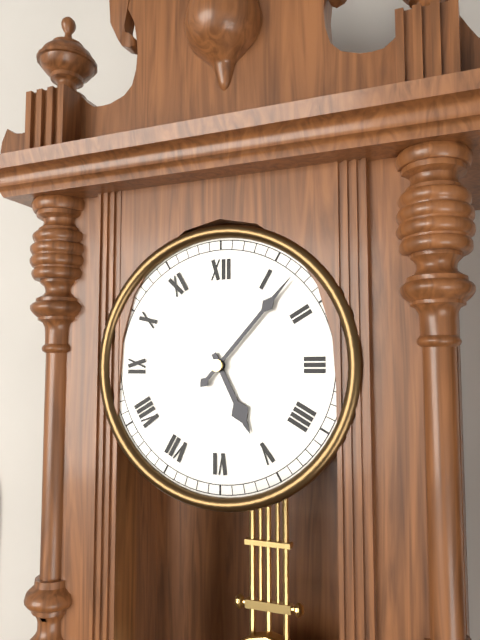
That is 5h07
